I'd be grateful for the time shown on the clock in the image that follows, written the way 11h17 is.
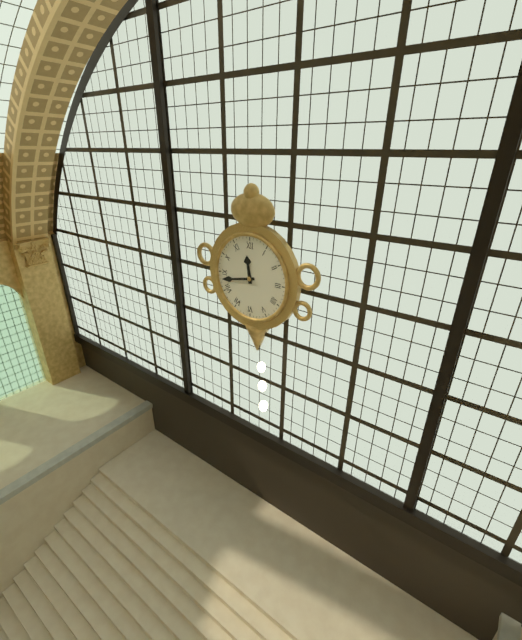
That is 11h43
